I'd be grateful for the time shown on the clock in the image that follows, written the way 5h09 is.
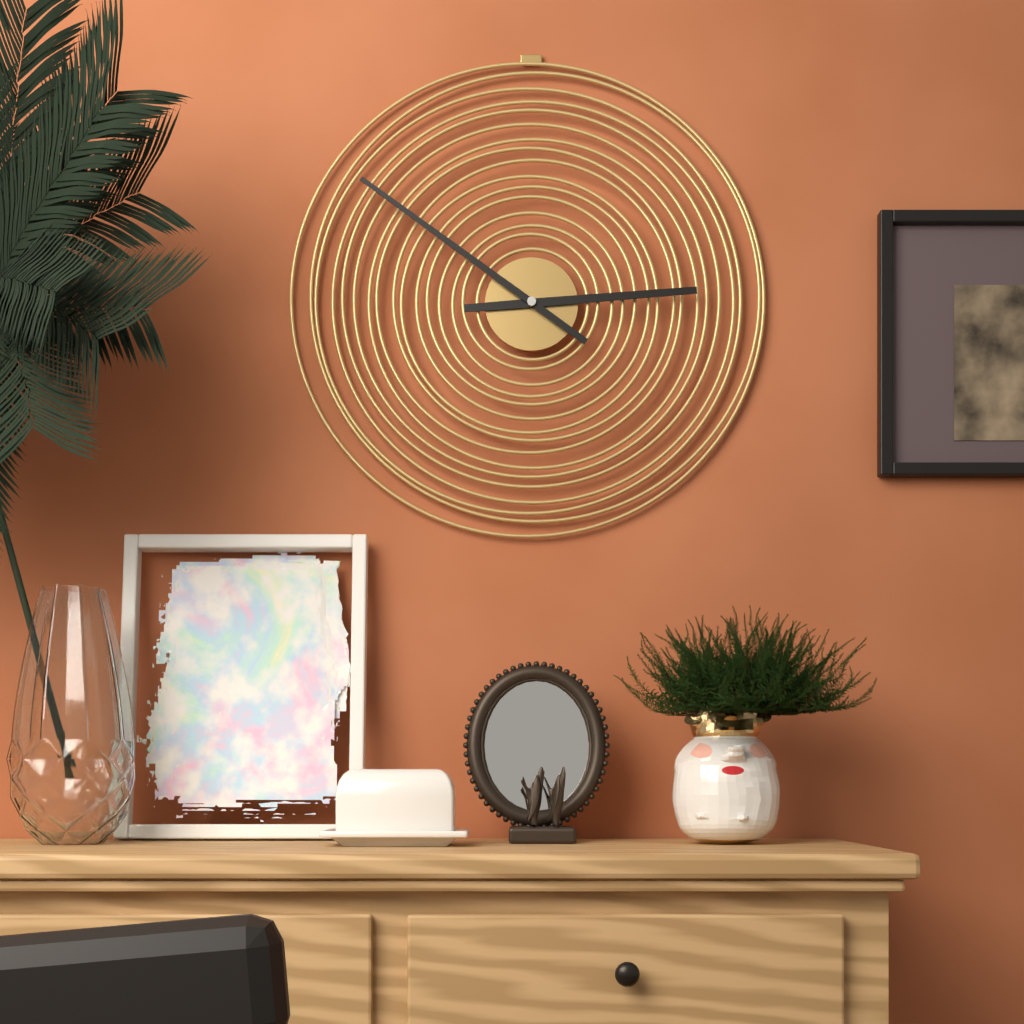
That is 2h51
